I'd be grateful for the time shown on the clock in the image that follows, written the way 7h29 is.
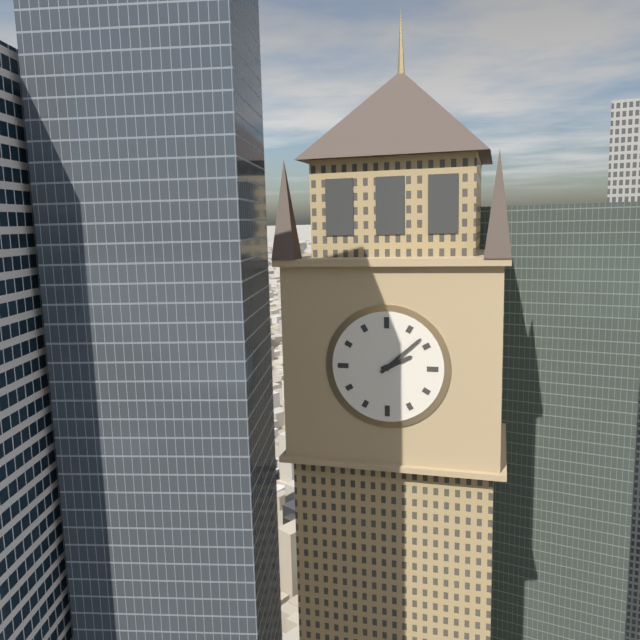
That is 2h08
